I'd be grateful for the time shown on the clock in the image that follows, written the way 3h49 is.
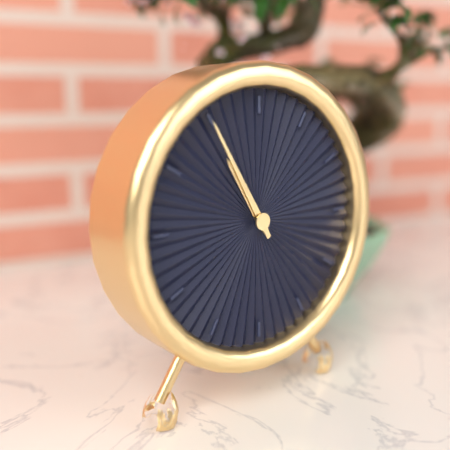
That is 10h55
